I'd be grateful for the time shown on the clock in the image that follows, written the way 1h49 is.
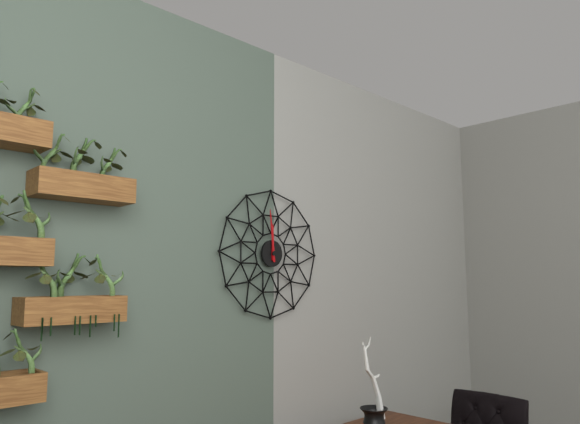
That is 11h59
